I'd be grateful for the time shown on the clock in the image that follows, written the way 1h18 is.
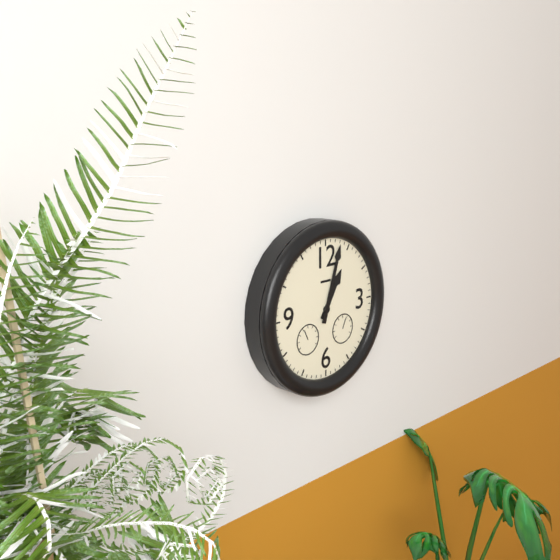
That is 1h03
